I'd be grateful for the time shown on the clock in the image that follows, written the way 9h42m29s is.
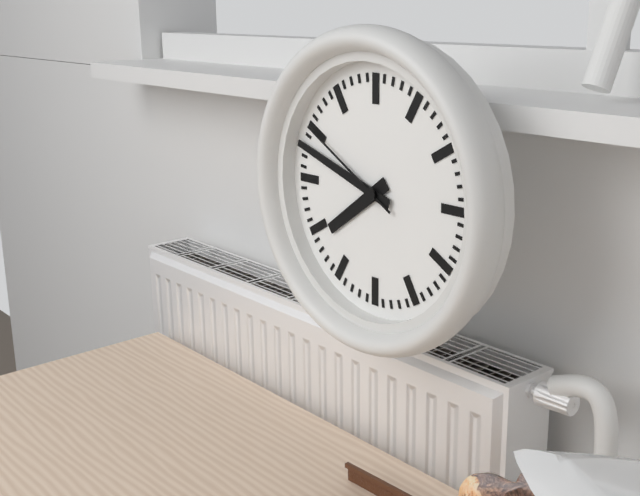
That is 7h48m50s
